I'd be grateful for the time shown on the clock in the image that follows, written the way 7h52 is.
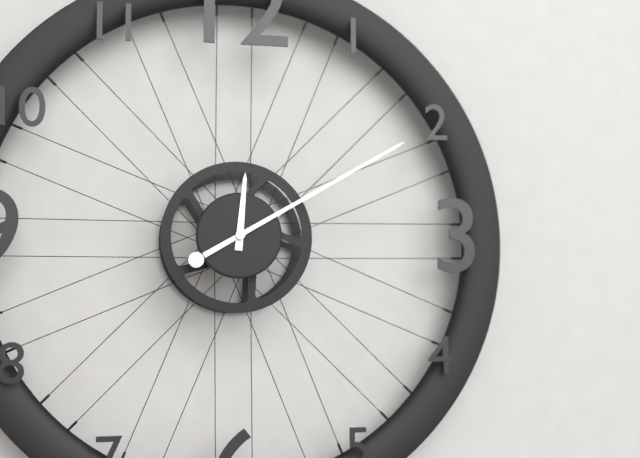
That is 12h10
